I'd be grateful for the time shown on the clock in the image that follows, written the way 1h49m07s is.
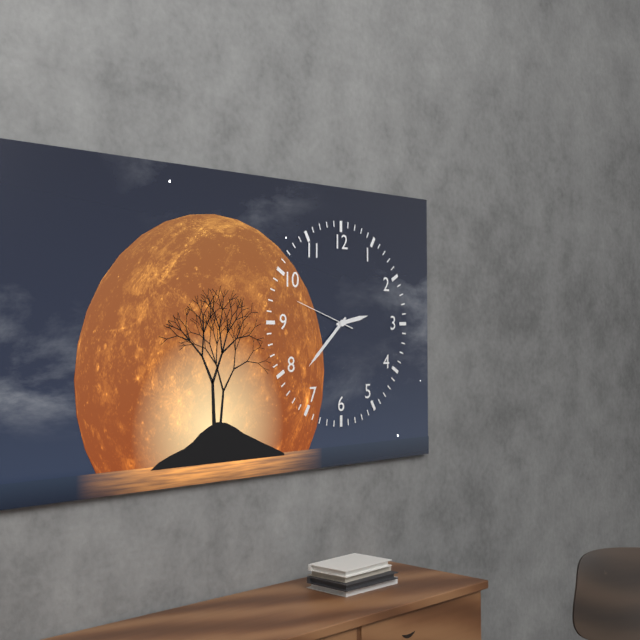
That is 2h38m48s
